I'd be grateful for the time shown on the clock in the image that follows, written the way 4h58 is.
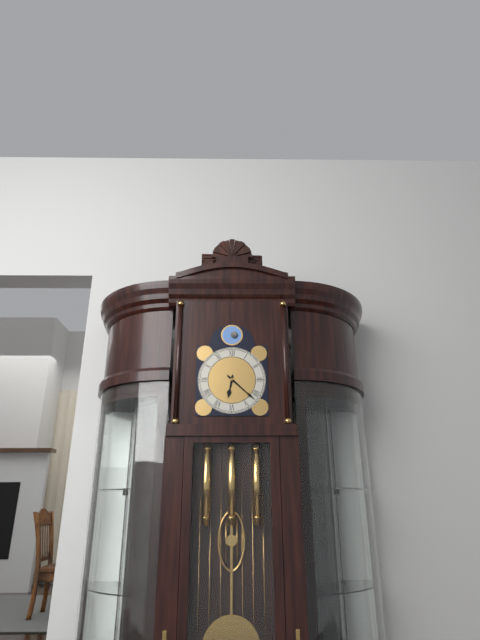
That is 6h22
